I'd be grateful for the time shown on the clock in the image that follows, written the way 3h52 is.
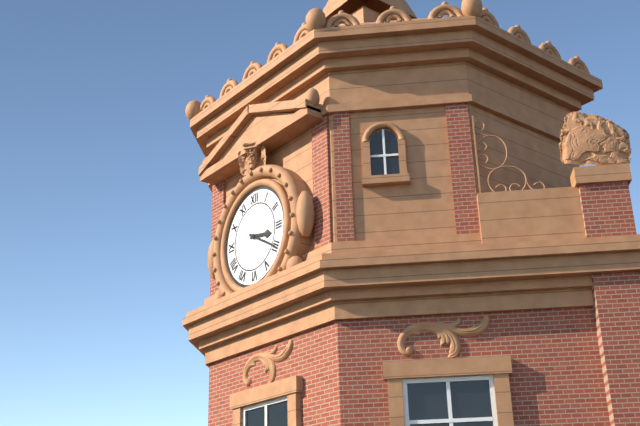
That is 3h20
